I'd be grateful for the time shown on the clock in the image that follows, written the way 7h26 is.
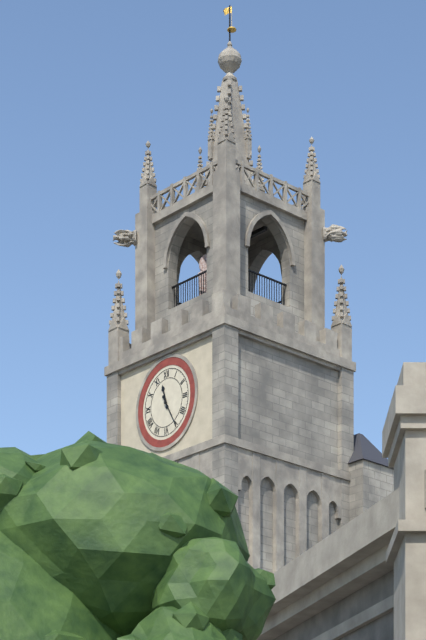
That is 11h25
